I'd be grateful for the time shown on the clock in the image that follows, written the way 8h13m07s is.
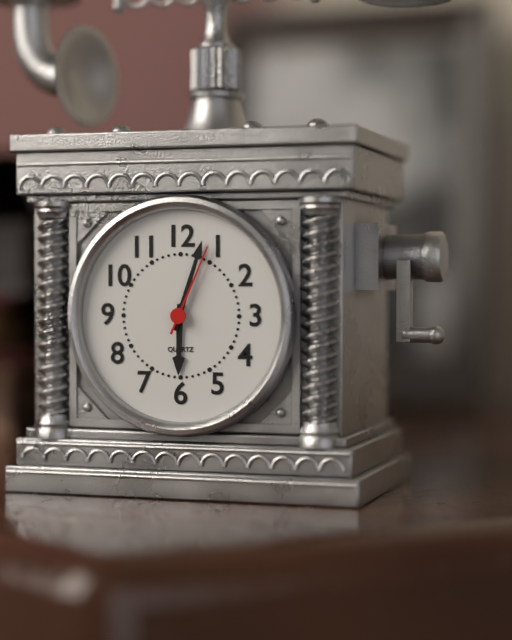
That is 6h03m04s
